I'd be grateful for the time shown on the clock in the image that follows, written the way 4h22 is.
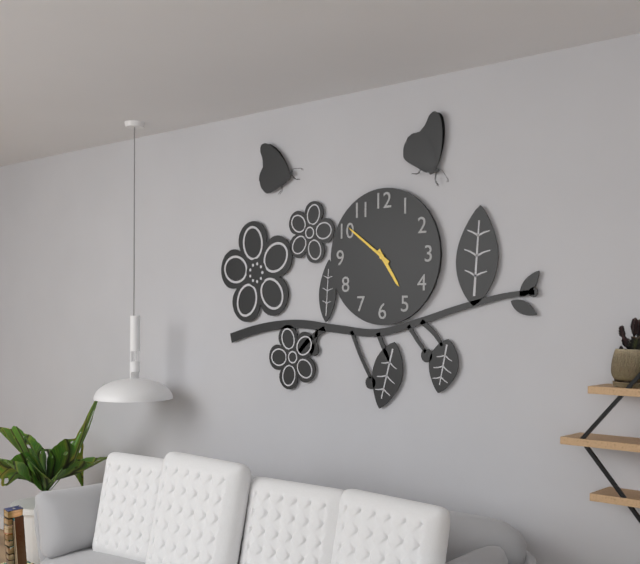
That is 4h51
